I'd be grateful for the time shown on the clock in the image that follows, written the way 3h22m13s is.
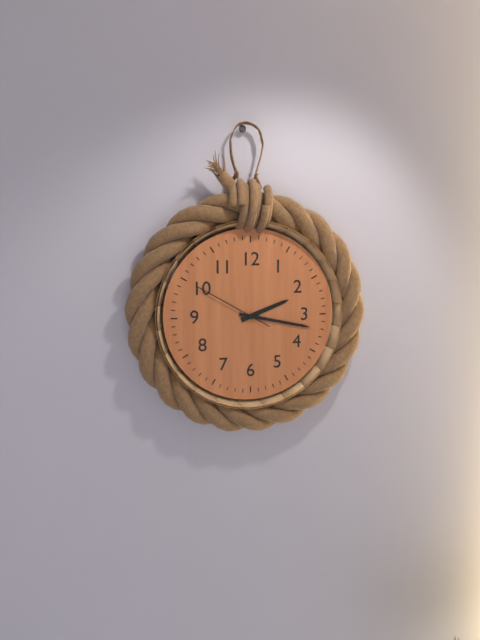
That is 2h17m50s
